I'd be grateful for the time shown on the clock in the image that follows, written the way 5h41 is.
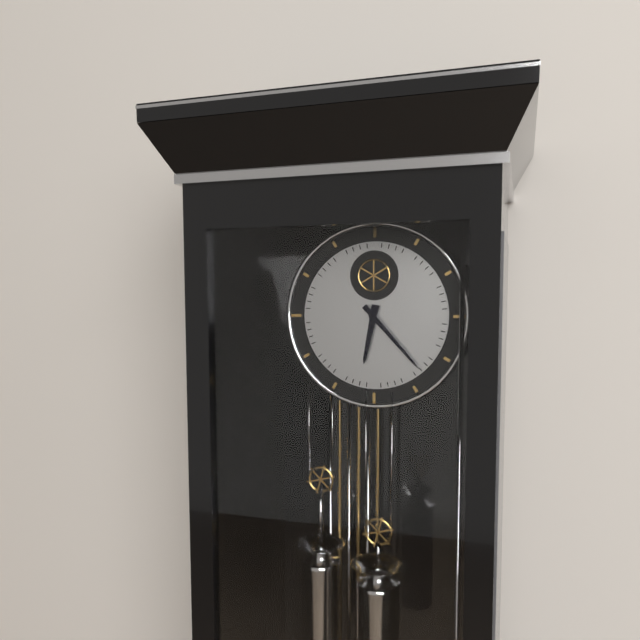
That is 6h23
